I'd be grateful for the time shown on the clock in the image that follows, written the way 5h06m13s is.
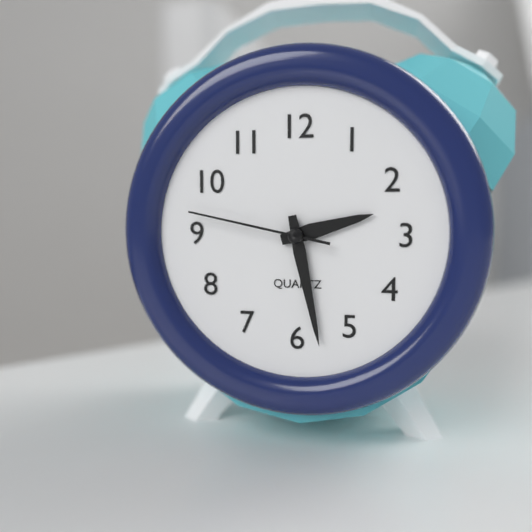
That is 2h28m47s
